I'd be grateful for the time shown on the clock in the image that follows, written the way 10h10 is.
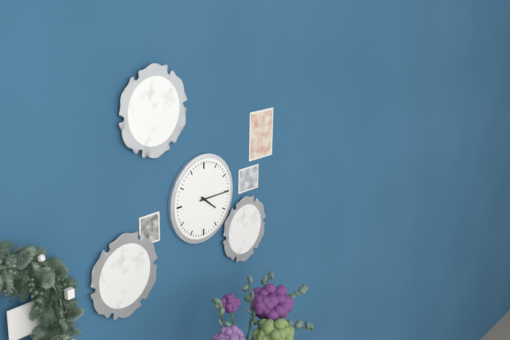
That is 4h15
